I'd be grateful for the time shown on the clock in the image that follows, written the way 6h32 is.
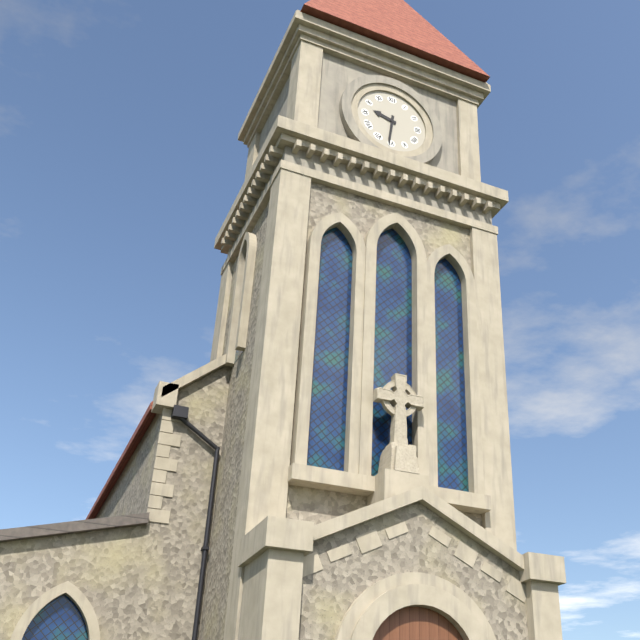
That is 9h31
